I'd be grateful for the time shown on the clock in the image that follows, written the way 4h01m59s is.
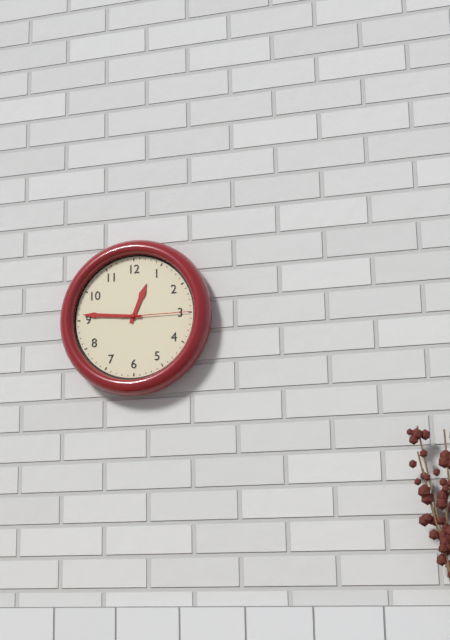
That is 12h46m15s
